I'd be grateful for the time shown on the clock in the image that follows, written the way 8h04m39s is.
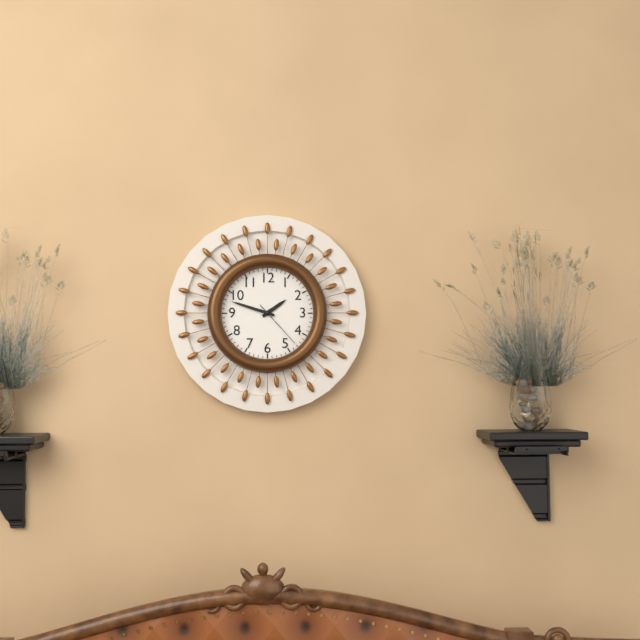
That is 1h48m23s
